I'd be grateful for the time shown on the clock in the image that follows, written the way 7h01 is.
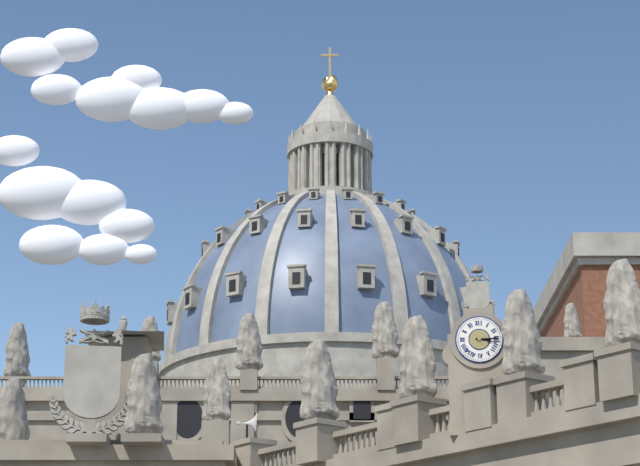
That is 3h15
